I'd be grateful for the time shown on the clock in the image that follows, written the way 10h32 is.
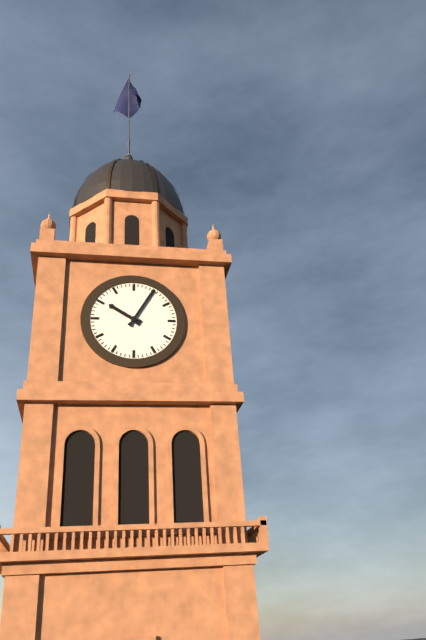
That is 10h05
